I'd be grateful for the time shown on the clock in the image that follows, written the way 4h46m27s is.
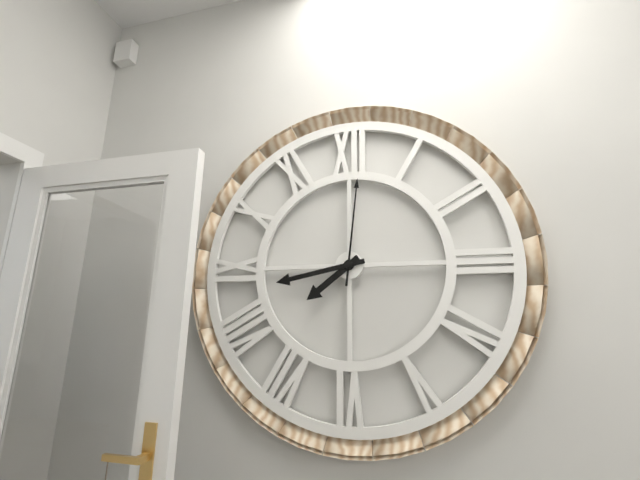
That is 7h43m01s
